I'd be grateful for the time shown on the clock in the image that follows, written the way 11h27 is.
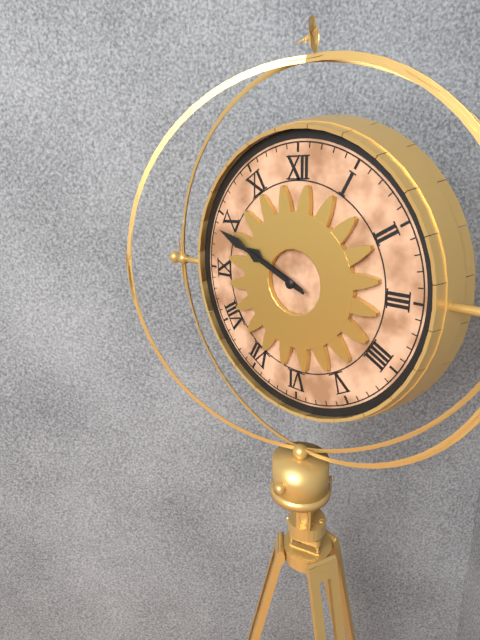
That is 9h49
